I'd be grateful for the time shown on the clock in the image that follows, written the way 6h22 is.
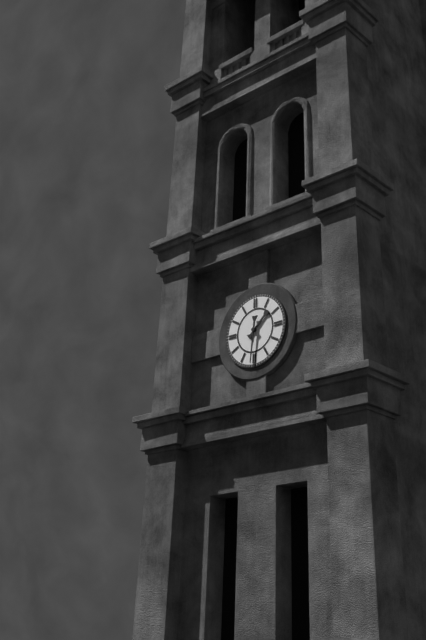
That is 1h31
